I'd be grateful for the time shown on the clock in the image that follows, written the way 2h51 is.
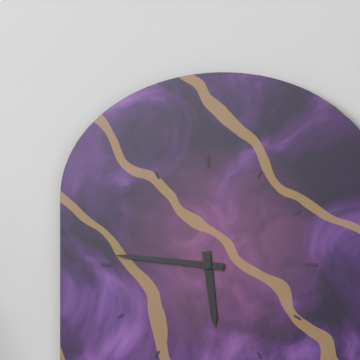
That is 5h46
